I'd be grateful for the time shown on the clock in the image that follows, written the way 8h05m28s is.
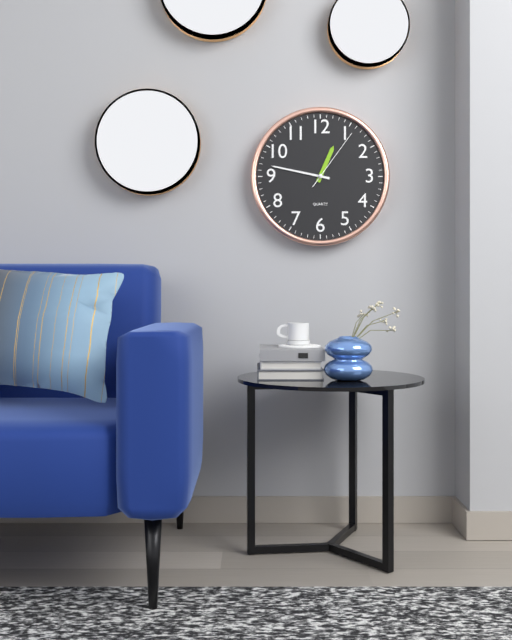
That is 12h47m06s
